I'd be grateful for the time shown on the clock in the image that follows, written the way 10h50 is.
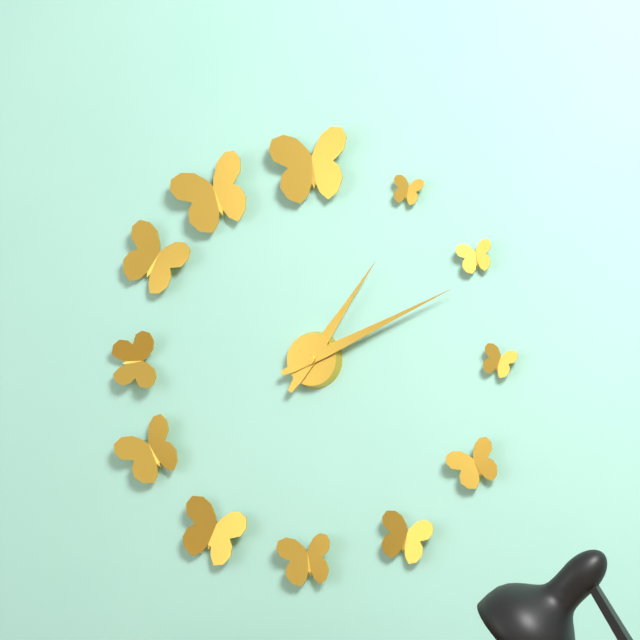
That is 1h11
